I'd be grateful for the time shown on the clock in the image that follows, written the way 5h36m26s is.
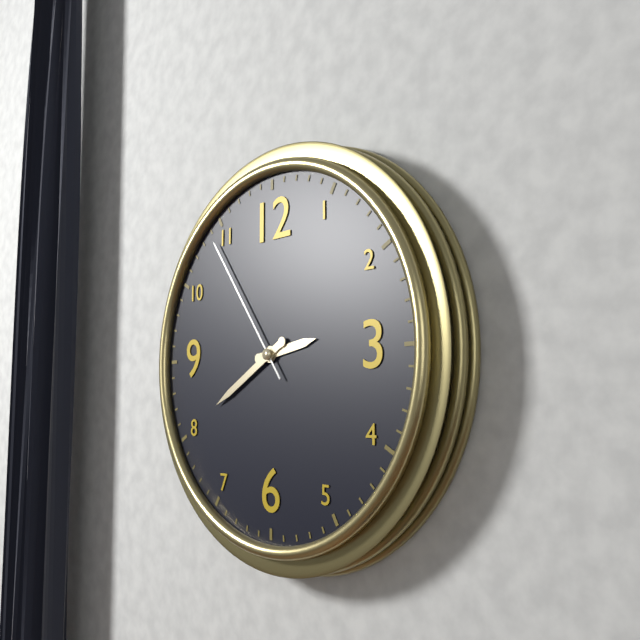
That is 2h40m54s
